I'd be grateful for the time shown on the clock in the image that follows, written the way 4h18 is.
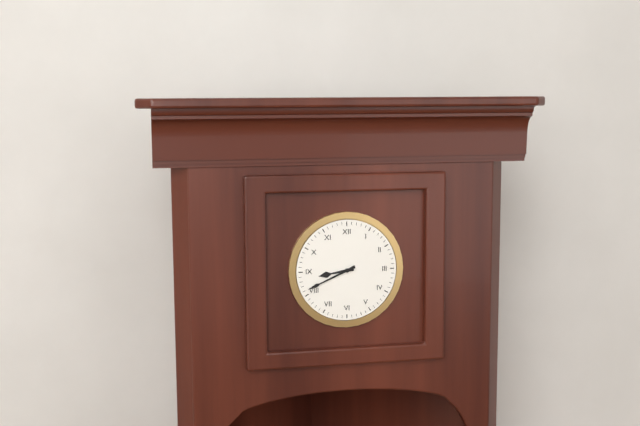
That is 8h41
